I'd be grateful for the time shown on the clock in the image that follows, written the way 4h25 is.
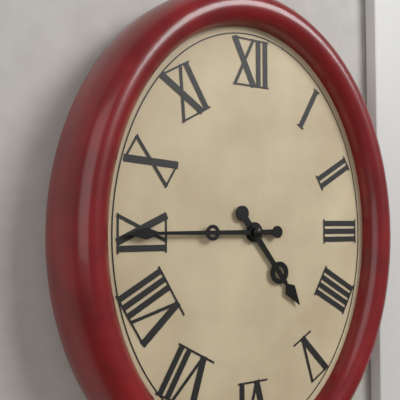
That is 4h45
